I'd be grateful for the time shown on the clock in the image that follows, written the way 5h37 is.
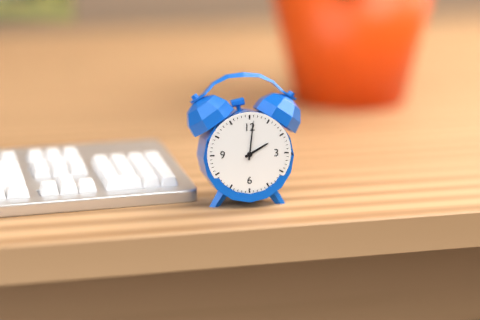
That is 2h01
